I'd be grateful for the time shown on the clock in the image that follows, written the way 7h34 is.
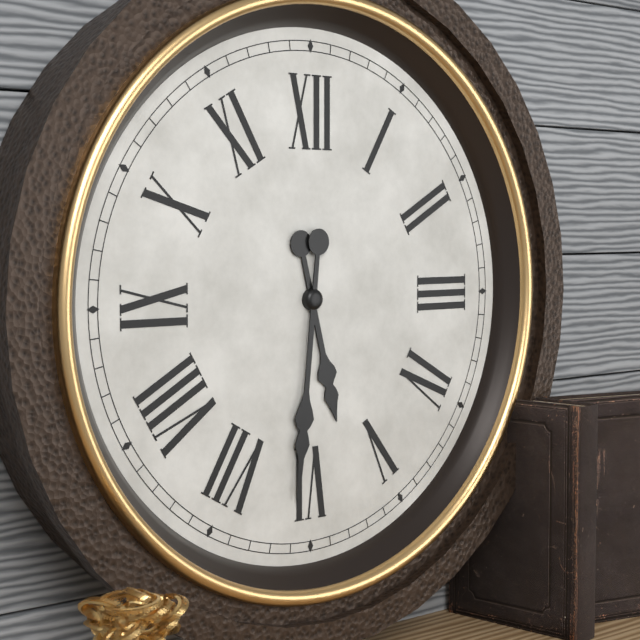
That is 5h31
